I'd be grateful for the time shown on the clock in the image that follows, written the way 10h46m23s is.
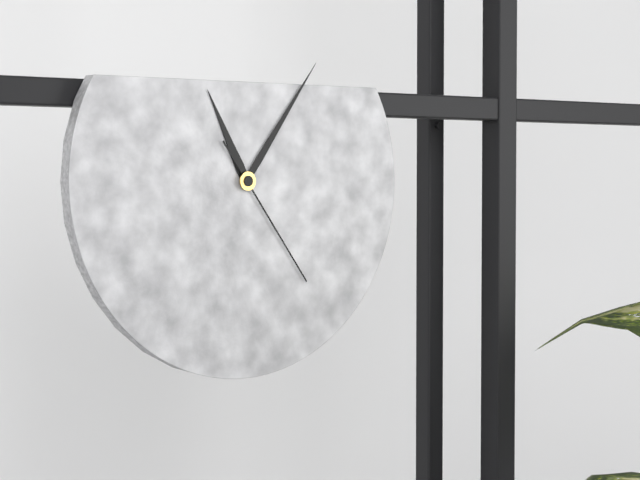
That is 11h06m24s
